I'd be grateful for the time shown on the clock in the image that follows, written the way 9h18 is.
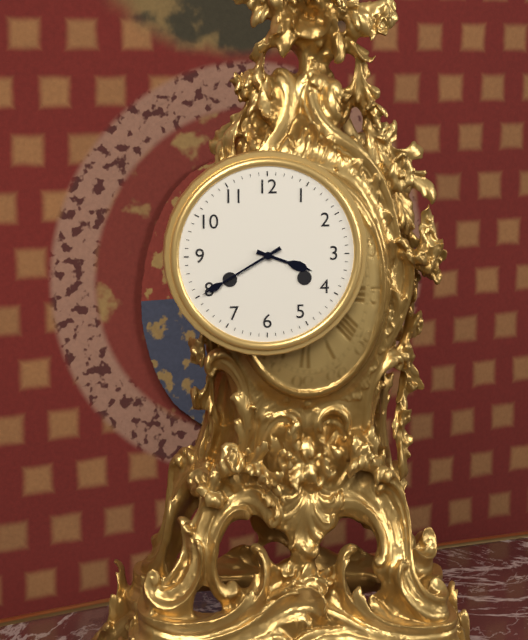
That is 3h40
